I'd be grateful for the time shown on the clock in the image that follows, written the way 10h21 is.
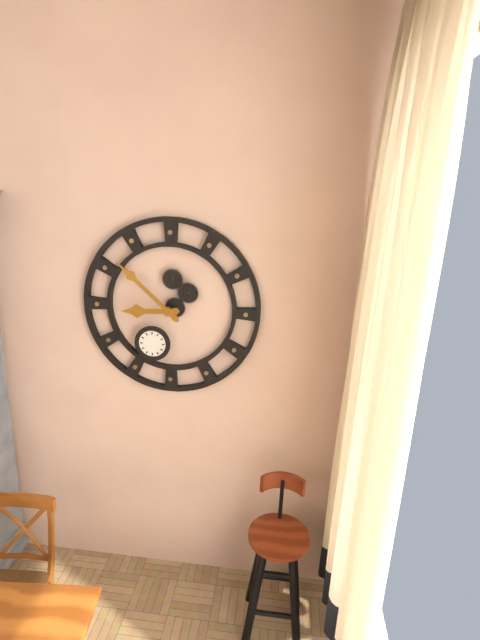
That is 8h52
